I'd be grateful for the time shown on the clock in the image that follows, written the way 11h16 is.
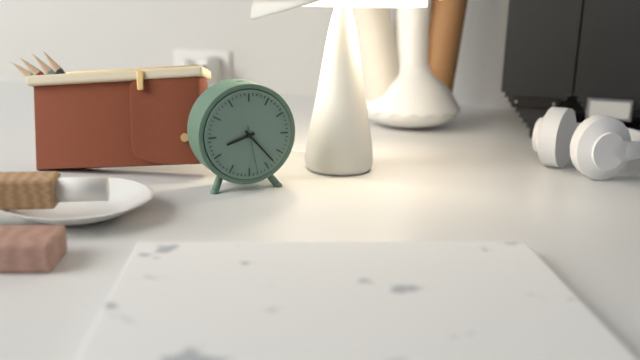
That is 8h23
